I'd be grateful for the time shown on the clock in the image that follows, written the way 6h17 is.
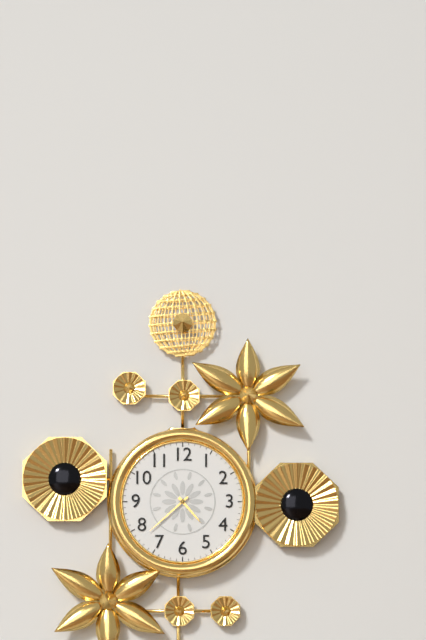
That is 4h38
